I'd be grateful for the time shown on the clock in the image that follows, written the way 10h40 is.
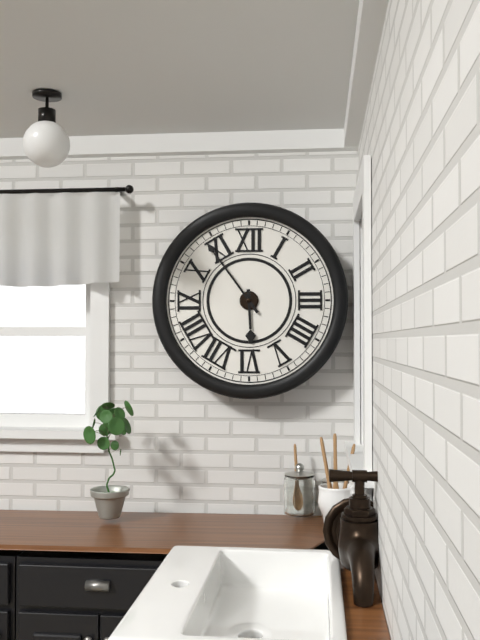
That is 5h54
